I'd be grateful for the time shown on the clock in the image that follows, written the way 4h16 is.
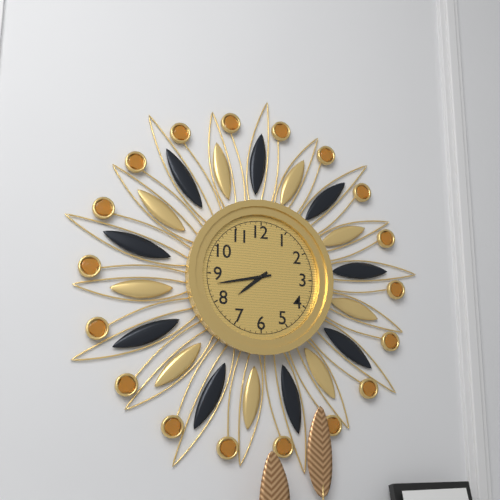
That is 7h43
